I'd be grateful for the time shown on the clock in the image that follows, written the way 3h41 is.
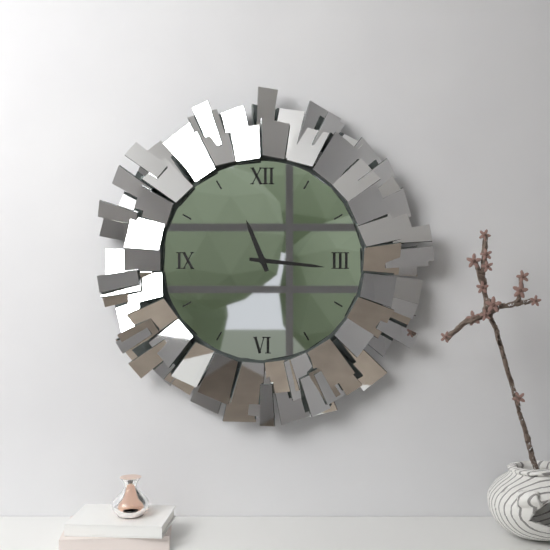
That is 11h16
